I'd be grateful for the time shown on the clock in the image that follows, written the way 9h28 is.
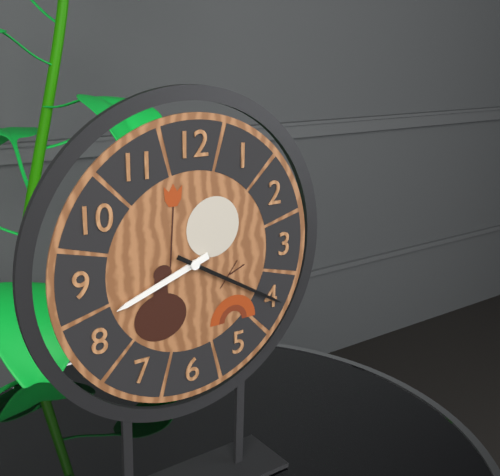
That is 8h20
